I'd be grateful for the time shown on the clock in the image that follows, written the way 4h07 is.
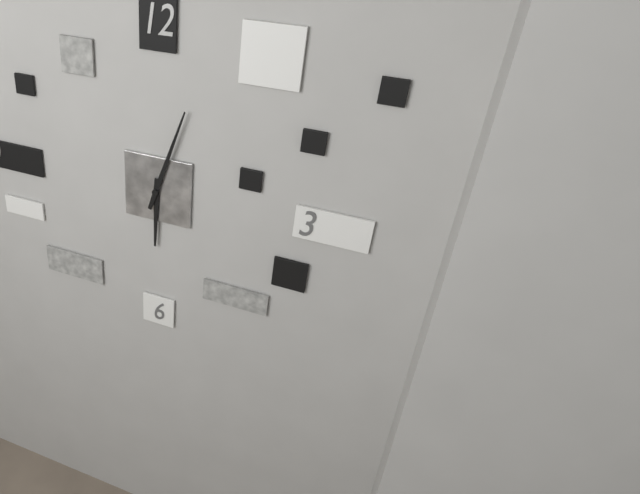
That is 6h03
